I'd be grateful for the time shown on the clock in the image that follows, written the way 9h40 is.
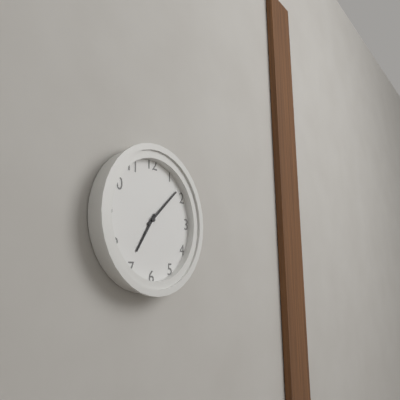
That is 7h08
